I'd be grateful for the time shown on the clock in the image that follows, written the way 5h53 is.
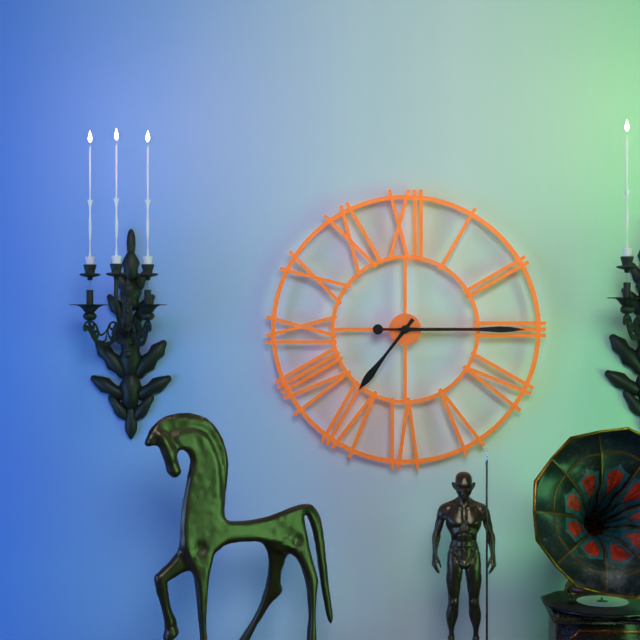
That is 7h15
